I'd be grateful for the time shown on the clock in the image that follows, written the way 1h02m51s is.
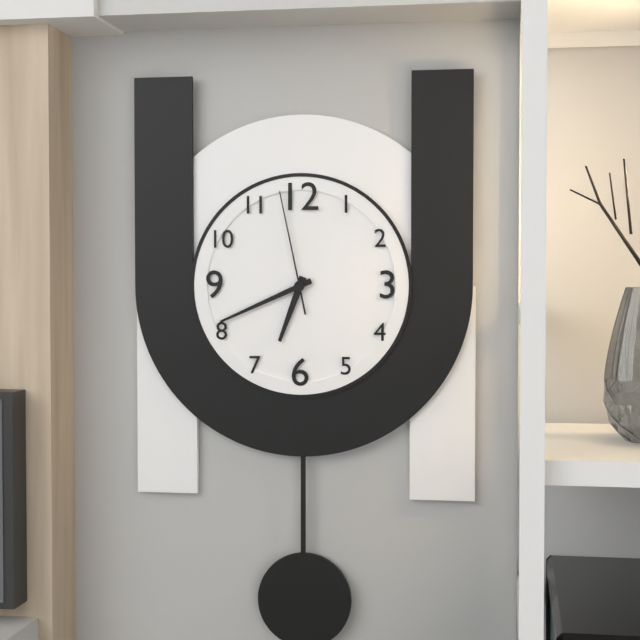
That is 6h41m58s
